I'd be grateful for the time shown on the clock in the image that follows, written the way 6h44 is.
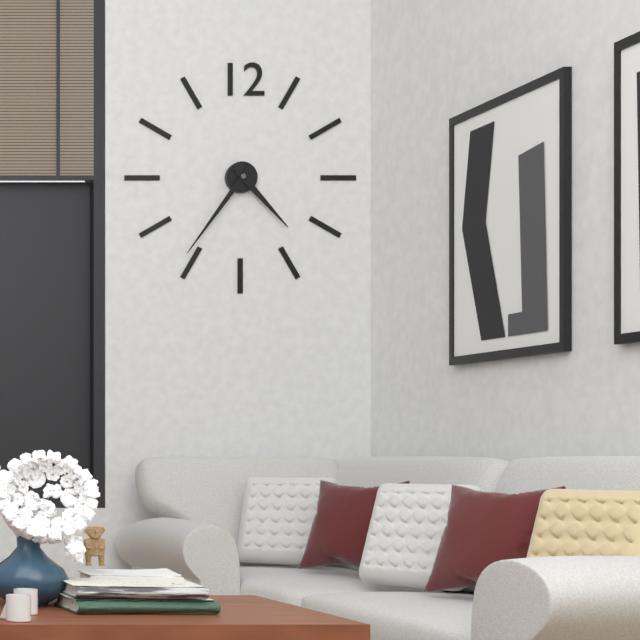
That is 4h36
